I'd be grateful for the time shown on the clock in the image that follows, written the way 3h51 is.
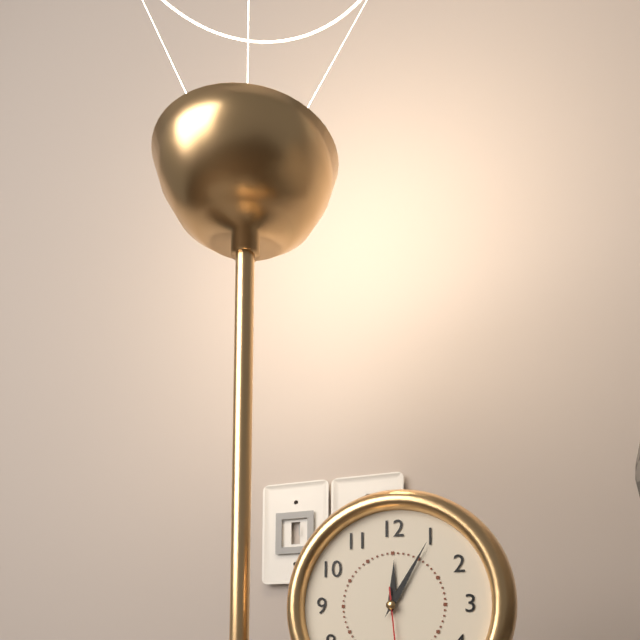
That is 12h05
